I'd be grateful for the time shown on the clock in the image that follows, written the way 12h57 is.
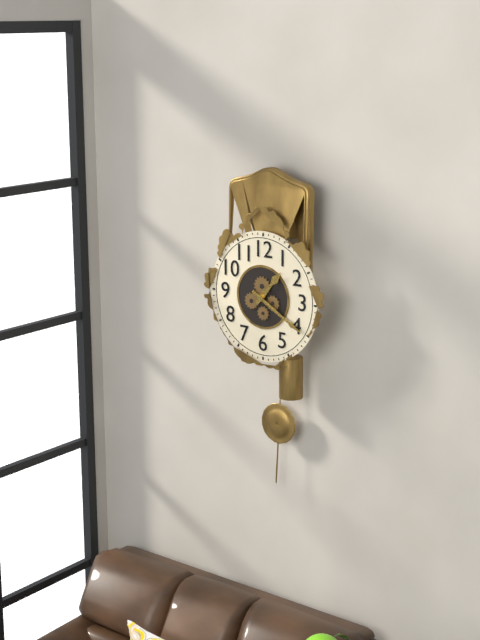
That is 1h20
